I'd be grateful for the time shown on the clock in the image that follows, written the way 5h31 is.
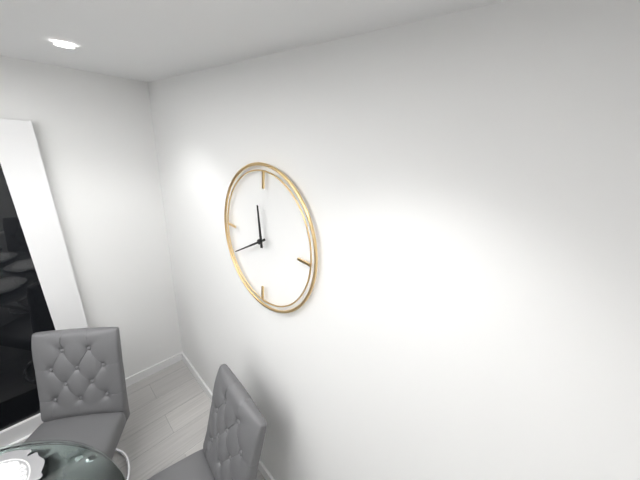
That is 11h40
